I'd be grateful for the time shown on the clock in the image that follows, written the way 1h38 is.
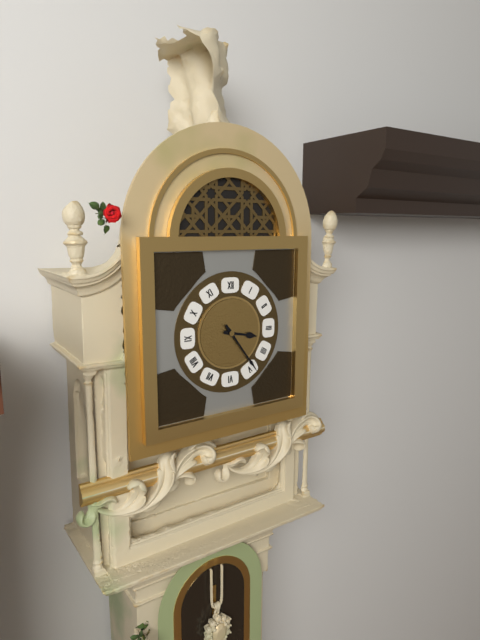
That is 3h24
